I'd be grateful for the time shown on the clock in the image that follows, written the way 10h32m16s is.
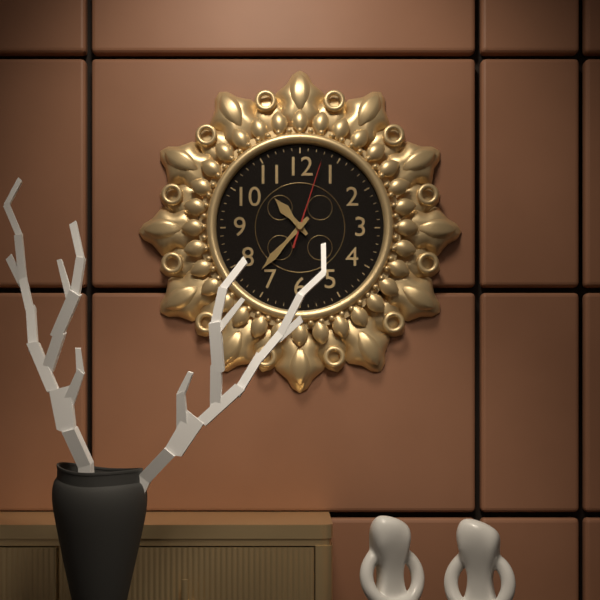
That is 10h37m03s
